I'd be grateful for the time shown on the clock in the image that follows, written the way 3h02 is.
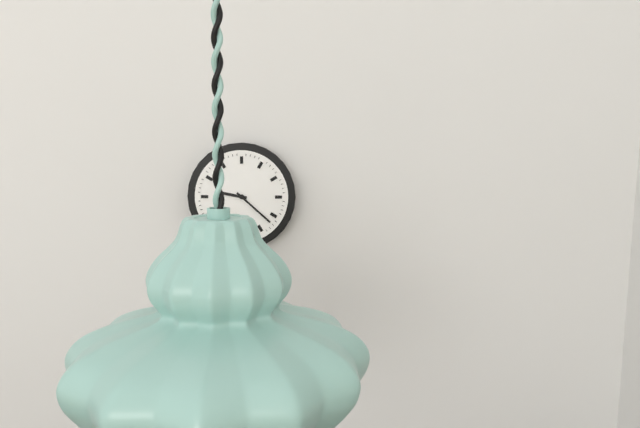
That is 9h22
